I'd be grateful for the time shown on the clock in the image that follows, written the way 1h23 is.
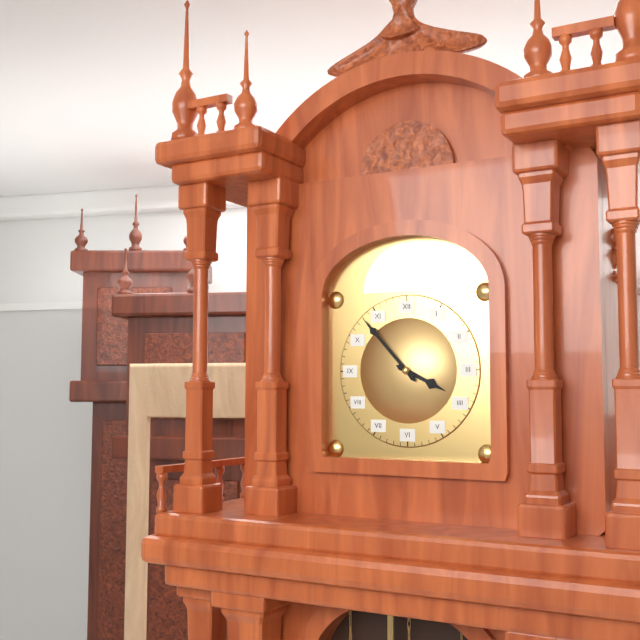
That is 3h53
